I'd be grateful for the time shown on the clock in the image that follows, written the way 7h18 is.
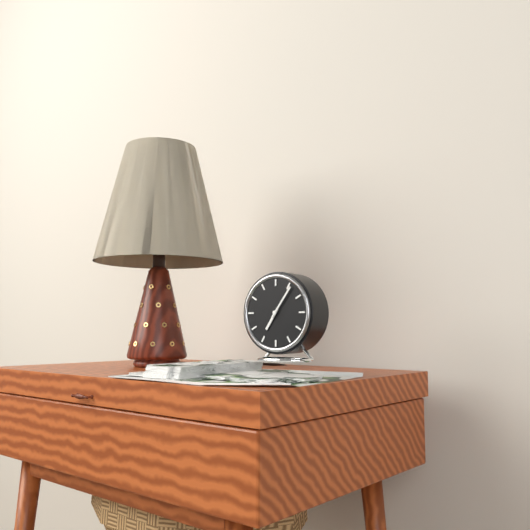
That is 7h06
